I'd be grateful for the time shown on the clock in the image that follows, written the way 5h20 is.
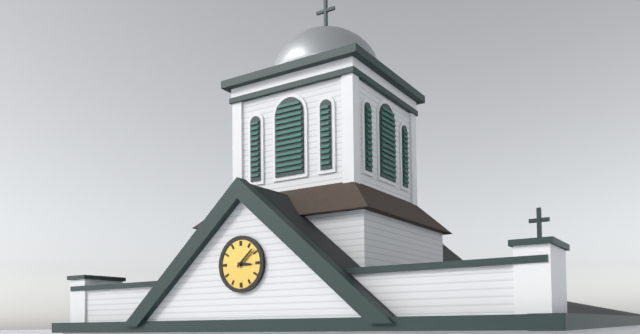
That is 3h08
